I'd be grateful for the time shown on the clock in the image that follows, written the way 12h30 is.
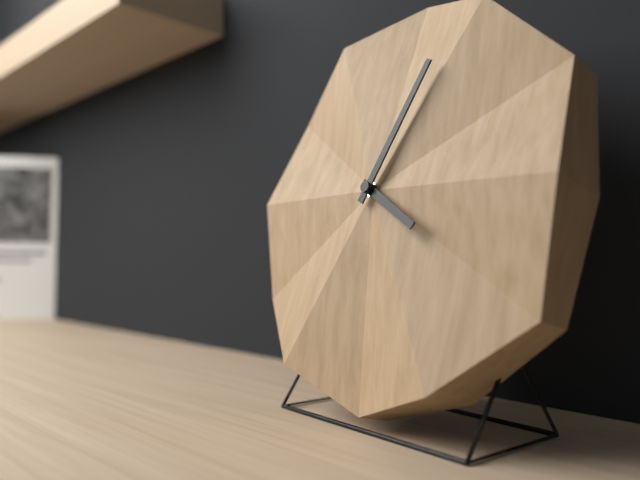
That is 4h04
